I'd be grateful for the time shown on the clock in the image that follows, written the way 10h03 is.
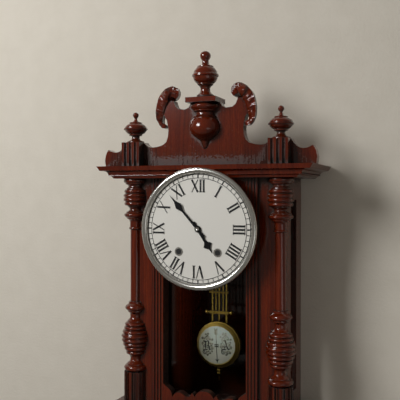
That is 4h53
